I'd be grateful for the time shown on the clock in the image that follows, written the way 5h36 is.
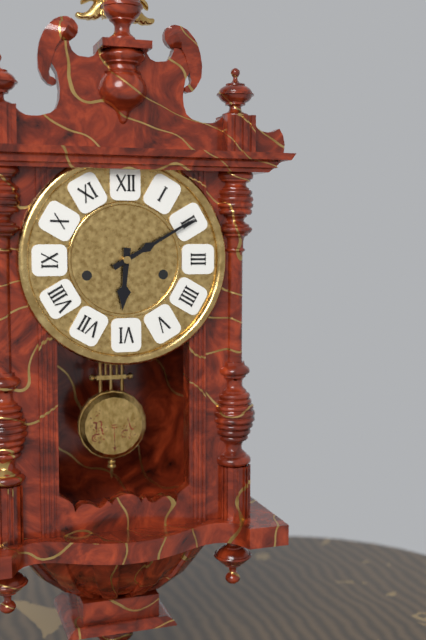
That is 6h10
